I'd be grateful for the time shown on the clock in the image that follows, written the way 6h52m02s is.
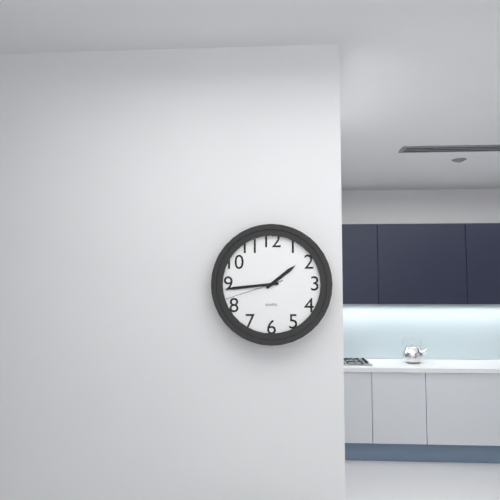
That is 1h44m42s
